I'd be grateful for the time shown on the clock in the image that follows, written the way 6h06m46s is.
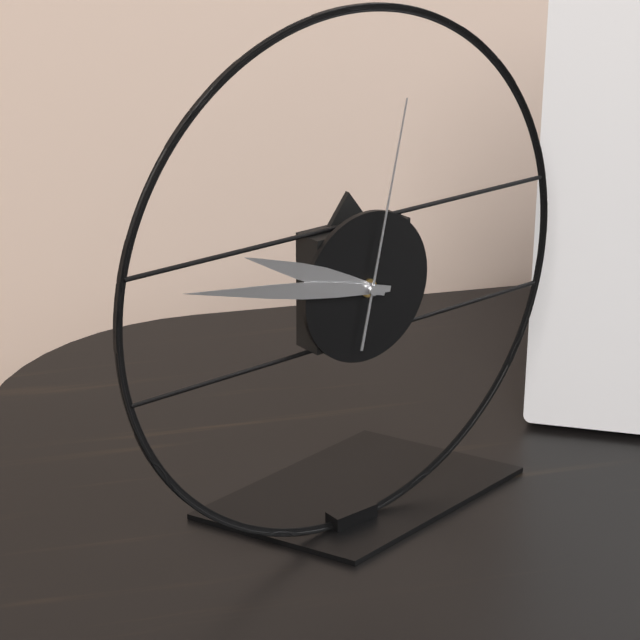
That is 9h47m02s
